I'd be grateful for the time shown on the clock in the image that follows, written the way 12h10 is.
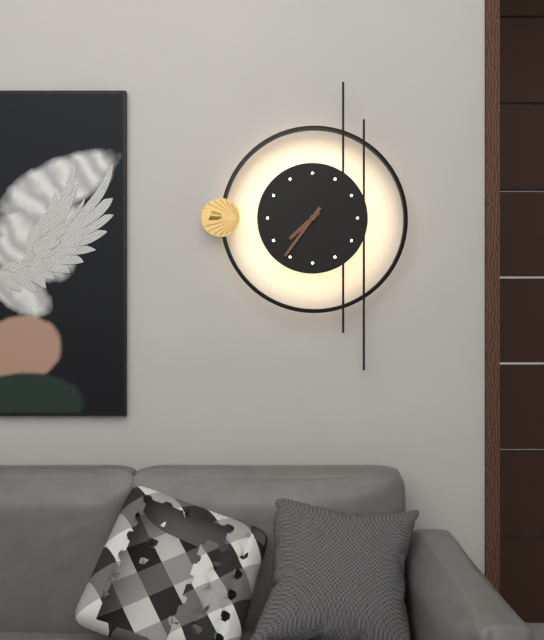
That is 7h36
